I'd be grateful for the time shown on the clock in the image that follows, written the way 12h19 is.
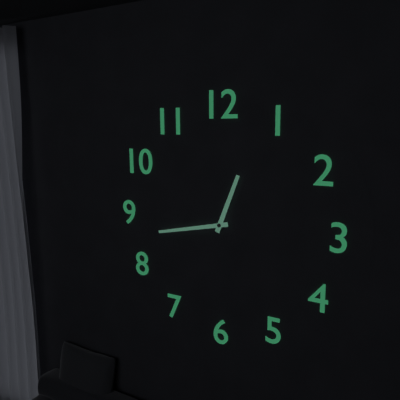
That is 12h43
